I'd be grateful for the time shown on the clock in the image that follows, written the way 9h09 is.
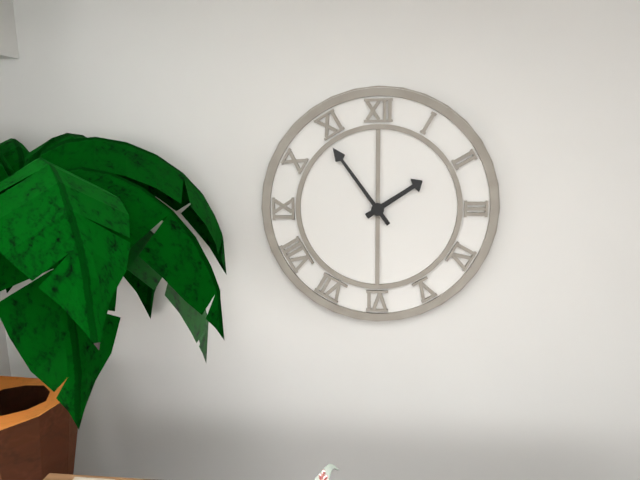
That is 1h54
